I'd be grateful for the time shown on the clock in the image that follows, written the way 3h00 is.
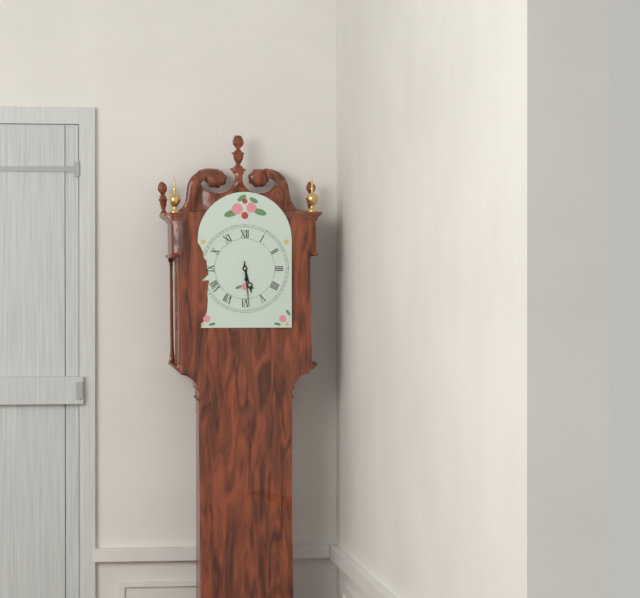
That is 5h29
